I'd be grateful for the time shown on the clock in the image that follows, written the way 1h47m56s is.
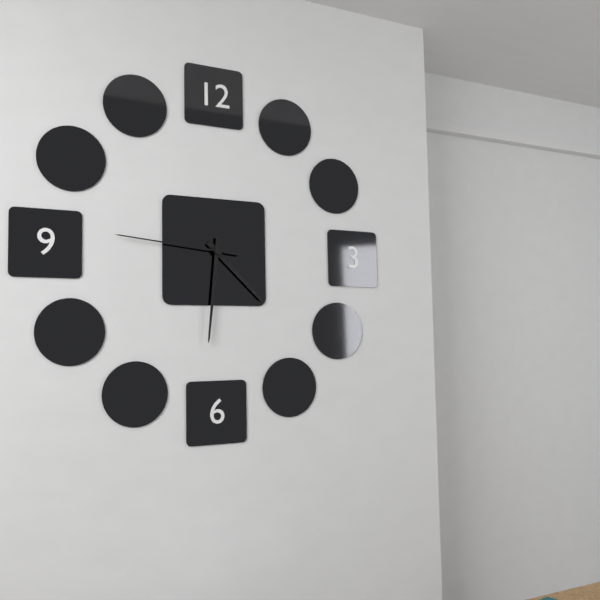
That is 4h31m46s
